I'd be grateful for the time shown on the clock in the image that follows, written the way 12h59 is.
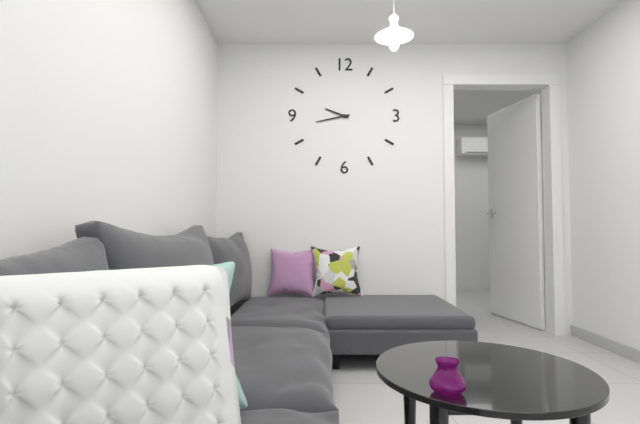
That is 9h43
